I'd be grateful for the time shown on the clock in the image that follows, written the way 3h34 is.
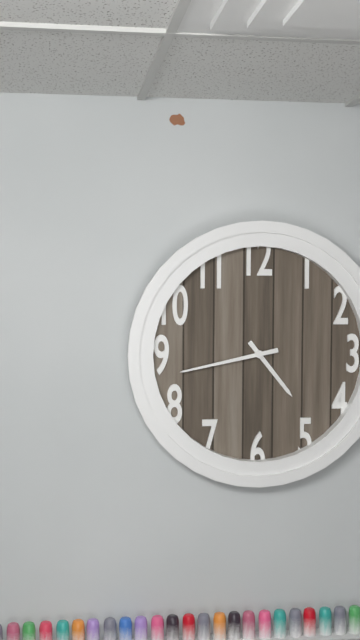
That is 4h43
